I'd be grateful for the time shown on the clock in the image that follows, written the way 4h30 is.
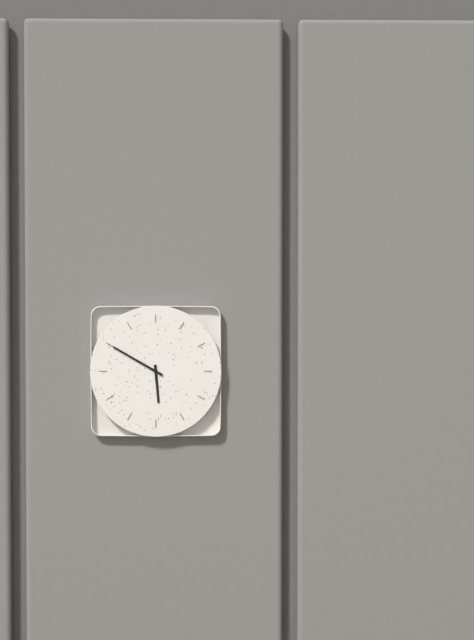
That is 5h50
